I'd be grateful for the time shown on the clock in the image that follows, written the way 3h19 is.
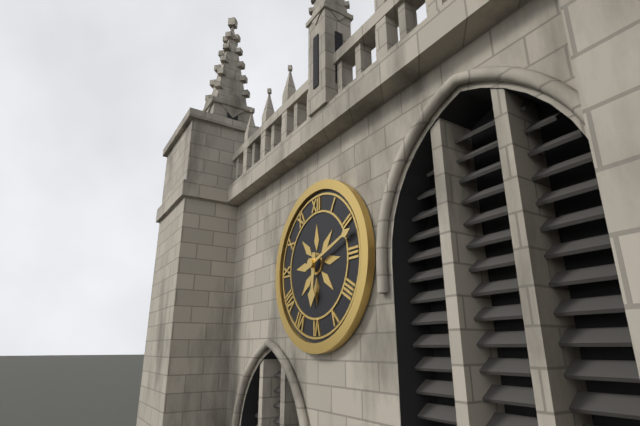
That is 6h12
